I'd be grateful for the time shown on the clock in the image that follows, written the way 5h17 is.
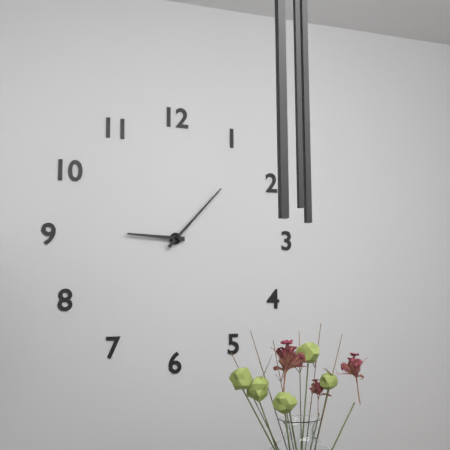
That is 9h07
